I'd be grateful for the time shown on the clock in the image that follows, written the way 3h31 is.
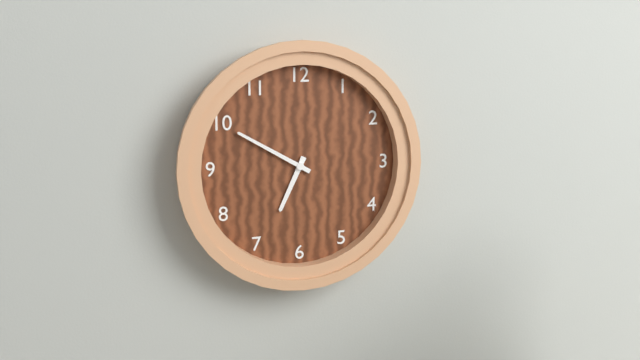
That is 6h50
